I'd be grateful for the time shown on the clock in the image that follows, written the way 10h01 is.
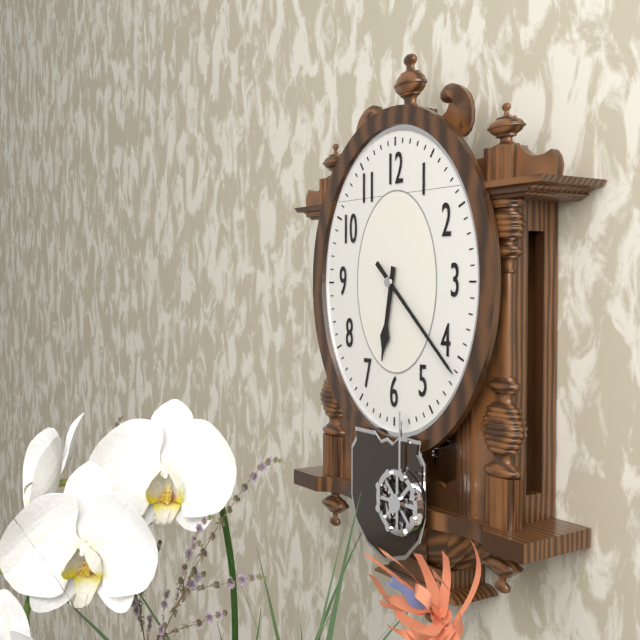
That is 6h22
